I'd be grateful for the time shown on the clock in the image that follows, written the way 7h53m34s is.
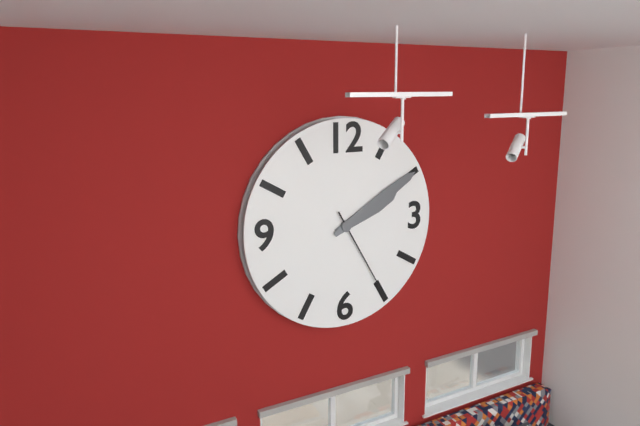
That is 2h10m25s
